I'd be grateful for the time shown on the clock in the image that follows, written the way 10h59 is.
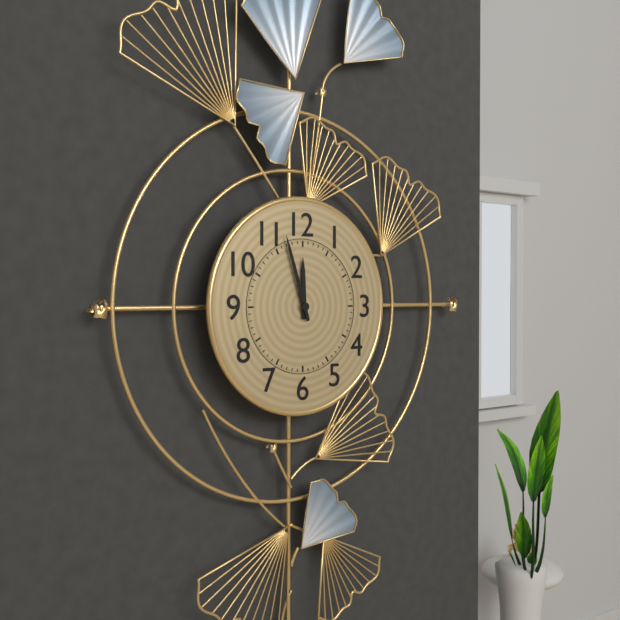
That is 11h57
